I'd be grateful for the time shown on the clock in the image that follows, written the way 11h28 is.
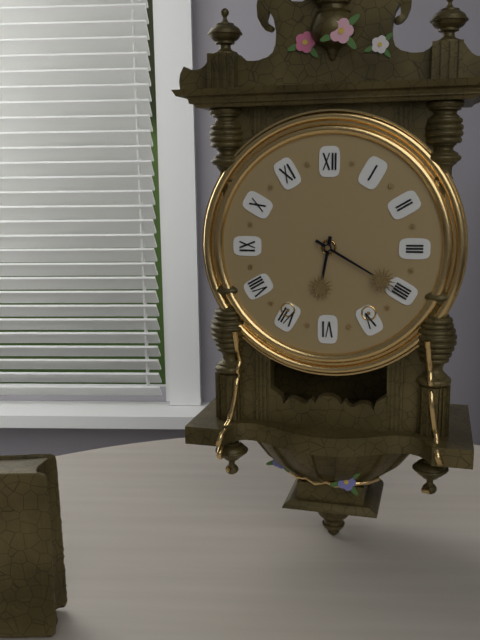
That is 6h20
